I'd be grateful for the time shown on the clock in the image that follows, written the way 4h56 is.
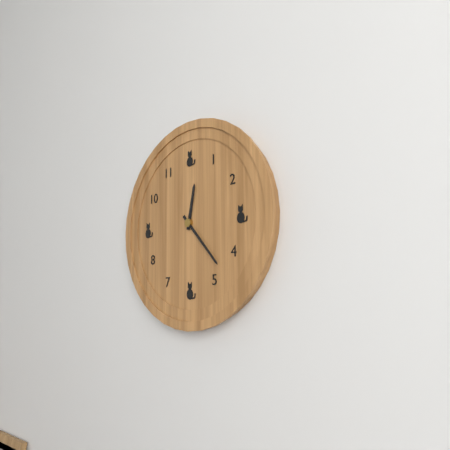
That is 12h23
